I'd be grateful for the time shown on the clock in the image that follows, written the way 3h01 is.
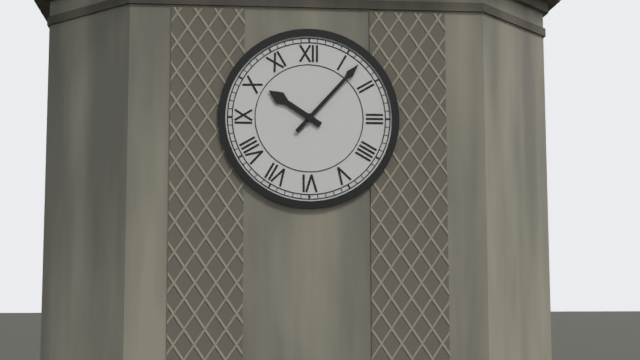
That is 10h07
